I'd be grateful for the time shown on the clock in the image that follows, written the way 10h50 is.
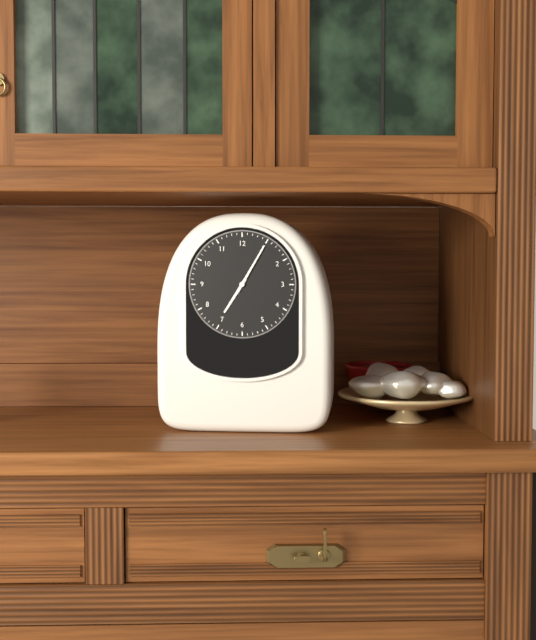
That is 7h05
